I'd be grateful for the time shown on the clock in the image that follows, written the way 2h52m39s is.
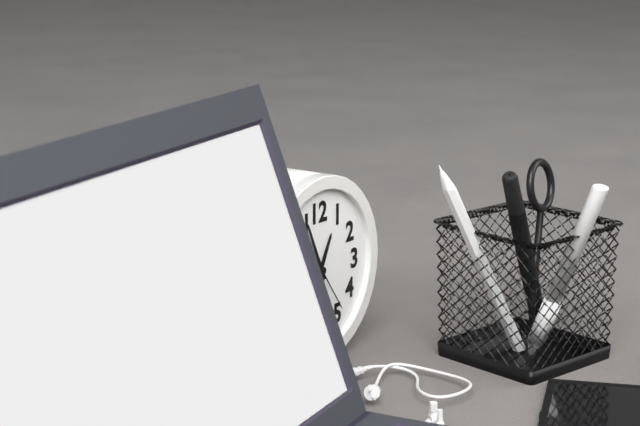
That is 12h56m24s
